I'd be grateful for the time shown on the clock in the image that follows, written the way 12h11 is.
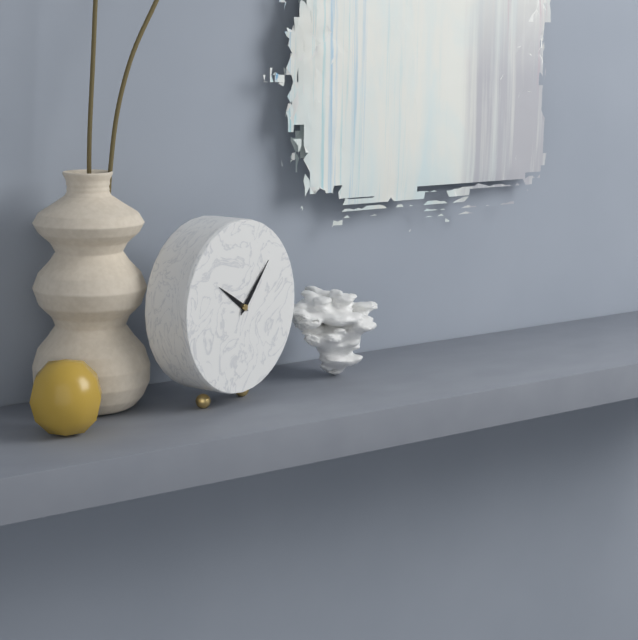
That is 10h07
